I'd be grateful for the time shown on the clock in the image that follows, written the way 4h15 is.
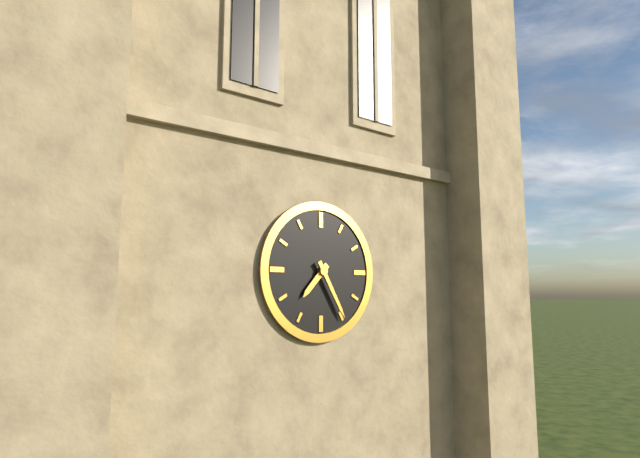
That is 7h25
